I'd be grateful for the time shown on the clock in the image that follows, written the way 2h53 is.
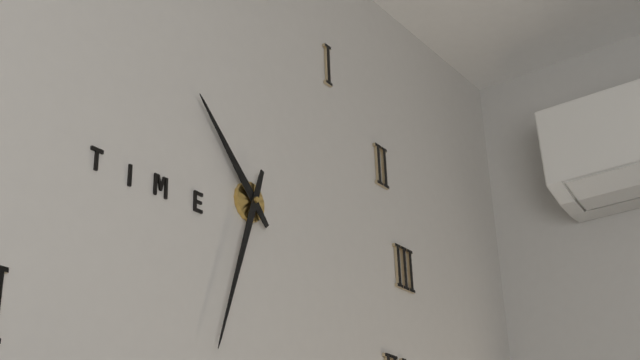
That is 10h33
